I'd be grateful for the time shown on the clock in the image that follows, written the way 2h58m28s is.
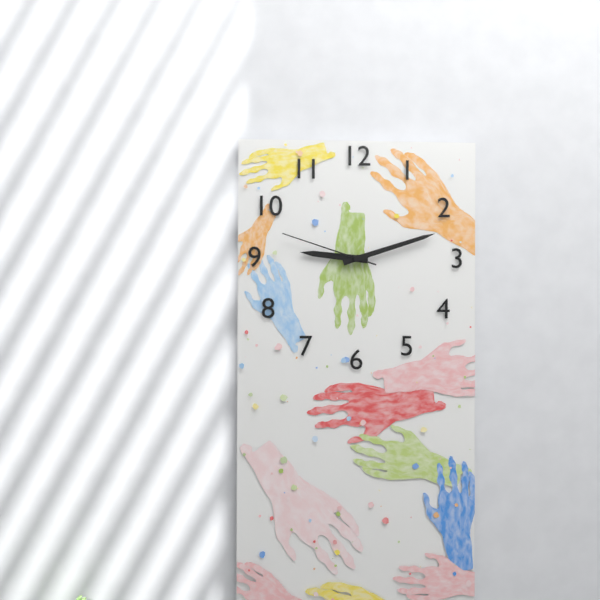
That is 9h12m48s
